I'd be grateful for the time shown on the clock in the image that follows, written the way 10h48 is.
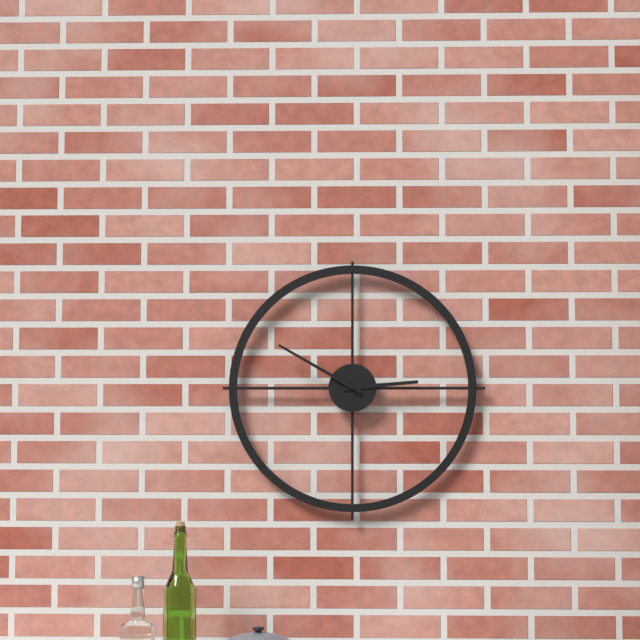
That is 2h50
